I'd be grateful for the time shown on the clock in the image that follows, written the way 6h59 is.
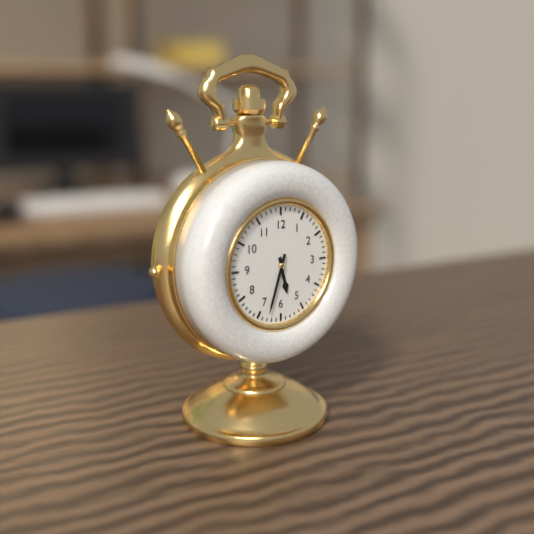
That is 5h33
